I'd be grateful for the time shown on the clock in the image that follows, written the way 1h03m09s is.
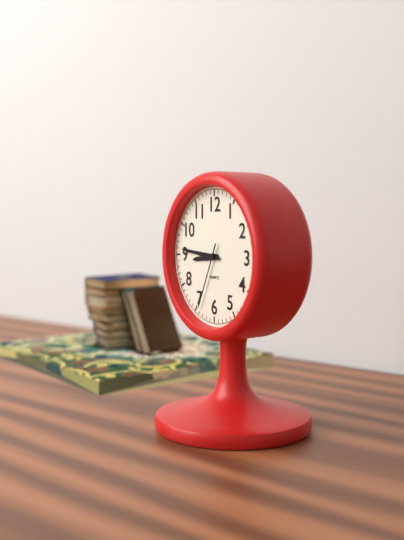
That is 8h46m34s
